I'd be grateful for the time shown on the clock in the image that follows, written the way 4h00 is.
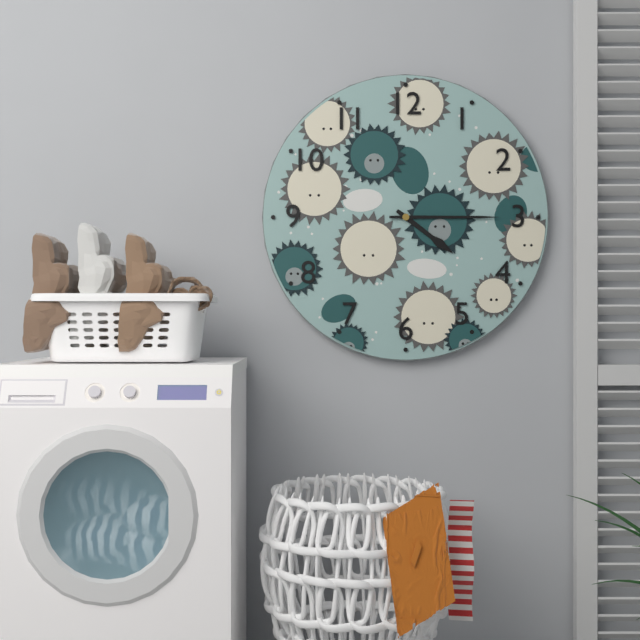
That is 4h15
